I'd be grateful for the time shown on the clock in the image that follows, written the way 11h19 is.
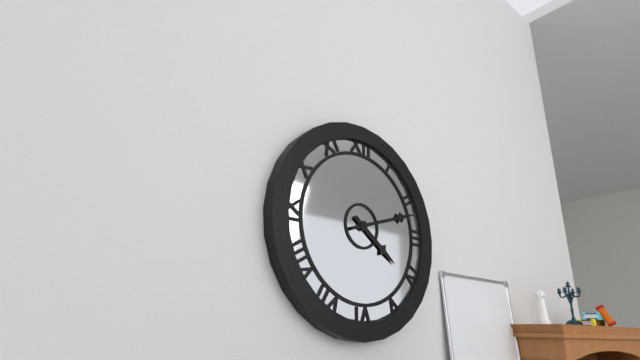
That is 4h12
